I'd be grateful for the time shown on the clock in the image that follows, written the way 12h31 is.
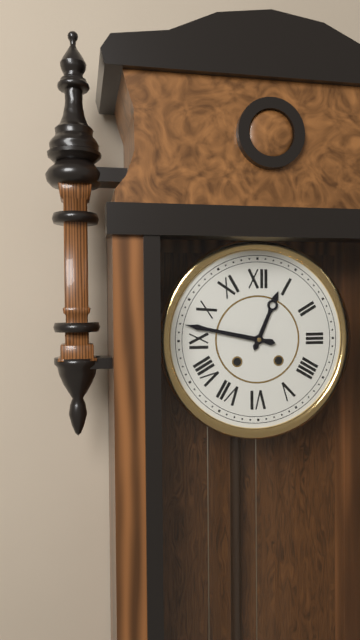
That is 12h47
